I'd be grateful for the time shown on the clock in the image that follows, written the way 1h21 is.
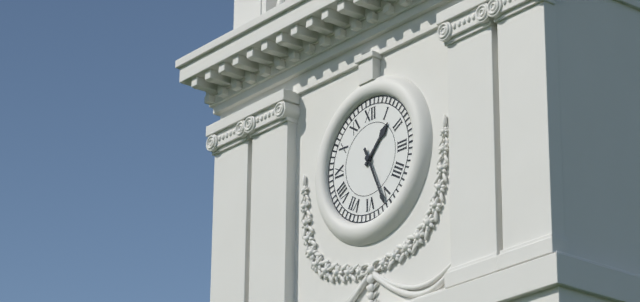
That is 1h26
